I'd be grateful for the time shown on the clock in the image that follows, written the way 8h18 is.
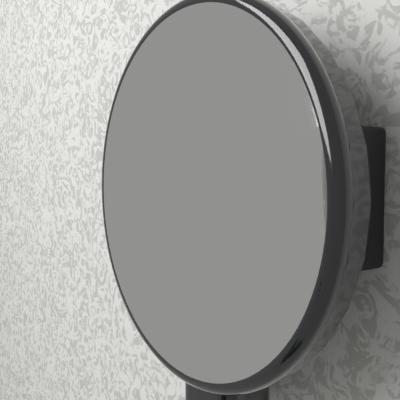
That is 5h48
